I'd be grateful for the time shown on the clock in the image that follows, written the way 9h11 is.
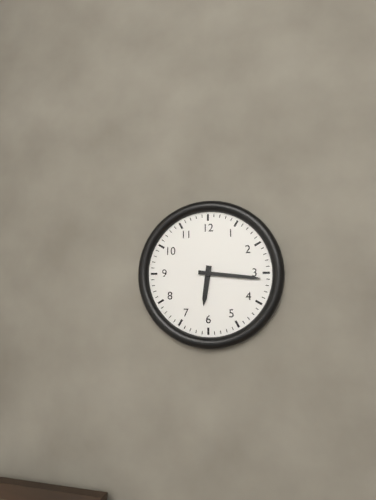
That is 6h16
